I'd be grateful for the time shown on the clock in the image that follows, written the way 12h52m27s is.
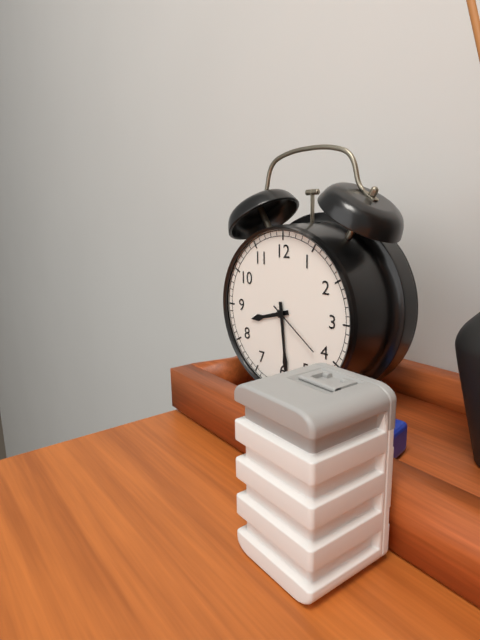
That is 8h29m21s
